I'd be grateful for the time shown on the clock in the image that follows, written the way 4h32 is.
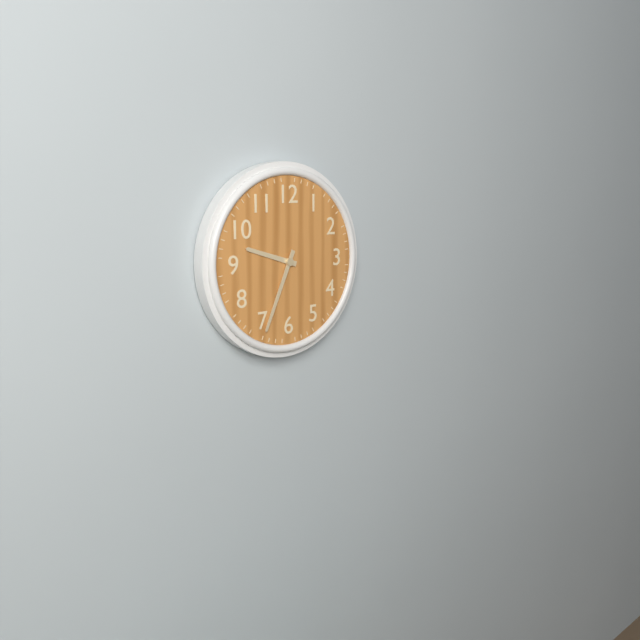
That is 9h34
